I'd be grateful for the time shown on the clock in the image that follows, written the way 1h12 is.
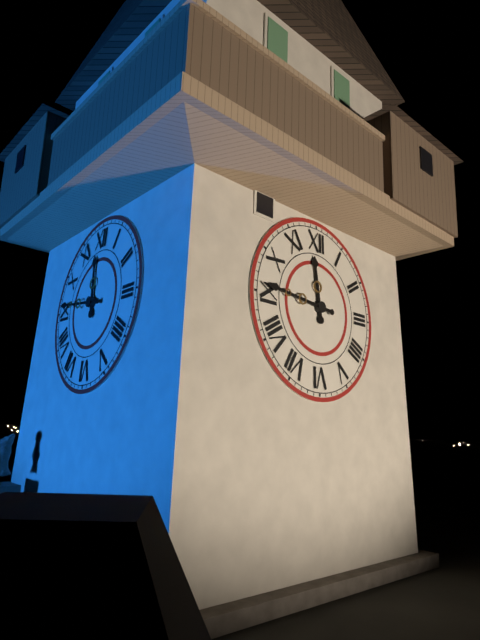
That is 11h46
